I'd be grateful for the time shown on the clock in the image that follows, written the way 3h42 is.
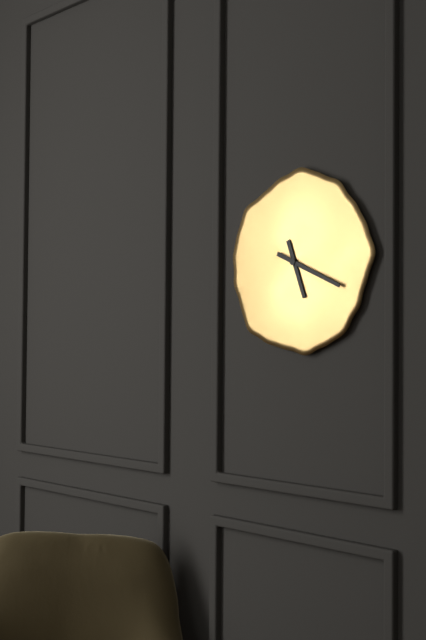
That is 5h19
